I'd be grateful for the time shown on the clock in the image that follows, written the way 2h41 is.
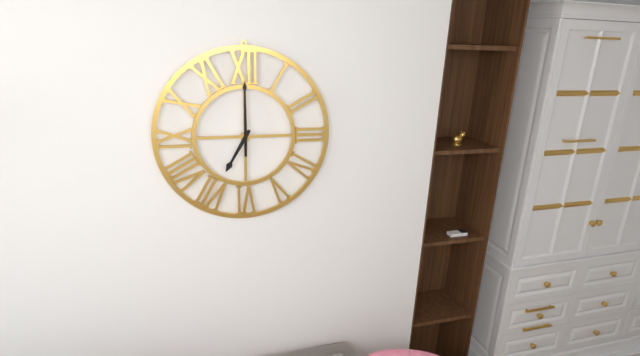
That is 7h00
